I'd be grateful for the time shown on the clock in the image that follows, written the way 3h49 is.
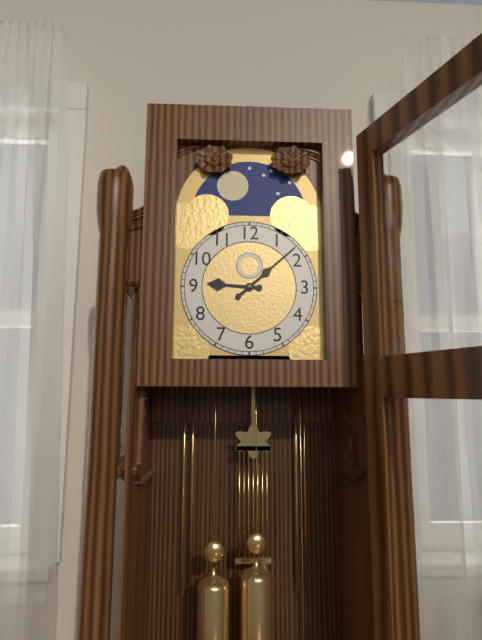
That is 9h08
